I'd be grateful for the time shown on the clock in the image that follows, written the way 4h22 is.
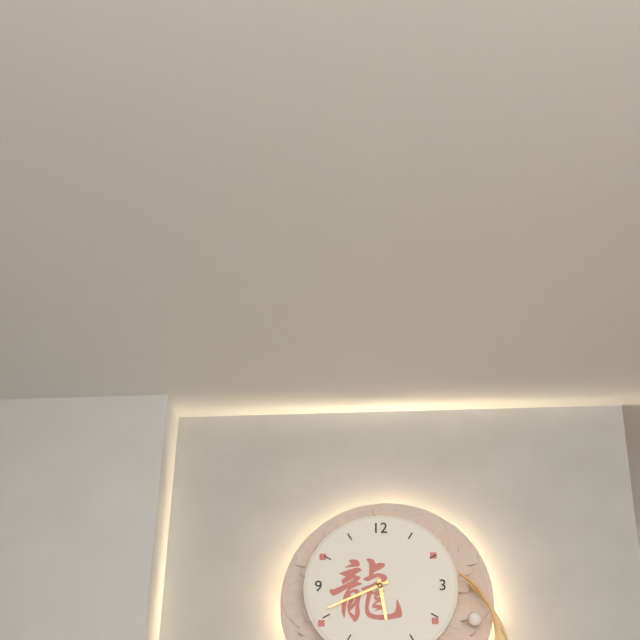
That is 5h41
